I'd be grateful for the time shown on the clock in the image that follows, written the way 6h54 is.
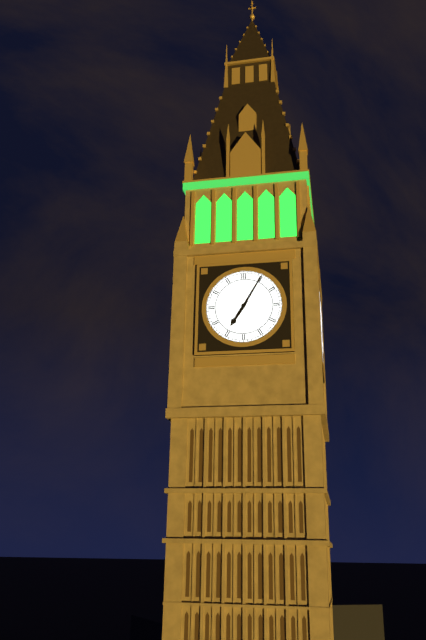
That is 7h05
